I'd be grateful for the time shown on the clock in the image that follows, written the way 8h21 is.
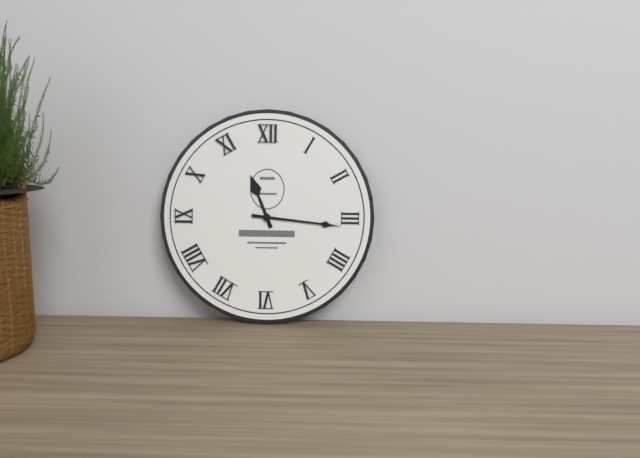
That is 11h16
